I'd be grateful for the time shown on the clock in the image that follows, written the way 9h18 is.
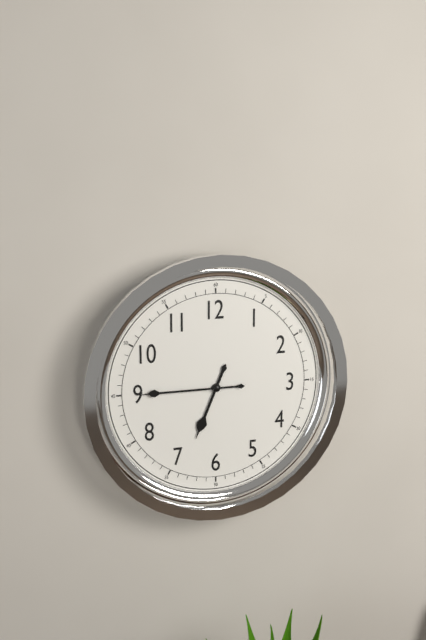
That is 6h45
